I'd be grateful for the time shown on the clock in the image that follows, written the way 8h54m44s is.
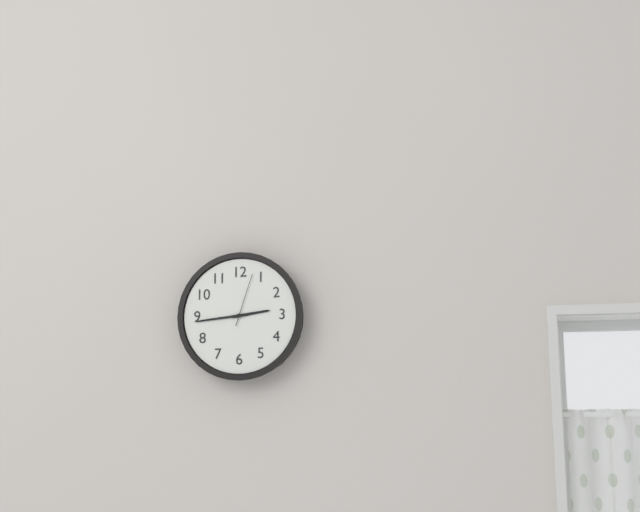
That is 2h44m03s
